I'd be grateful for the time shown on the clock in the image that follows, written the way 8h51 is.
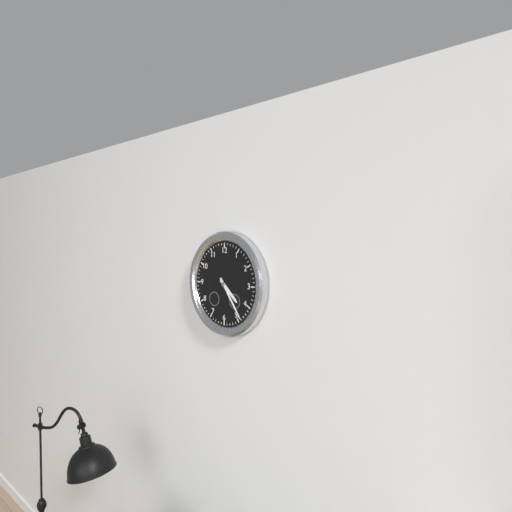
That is 4h24
